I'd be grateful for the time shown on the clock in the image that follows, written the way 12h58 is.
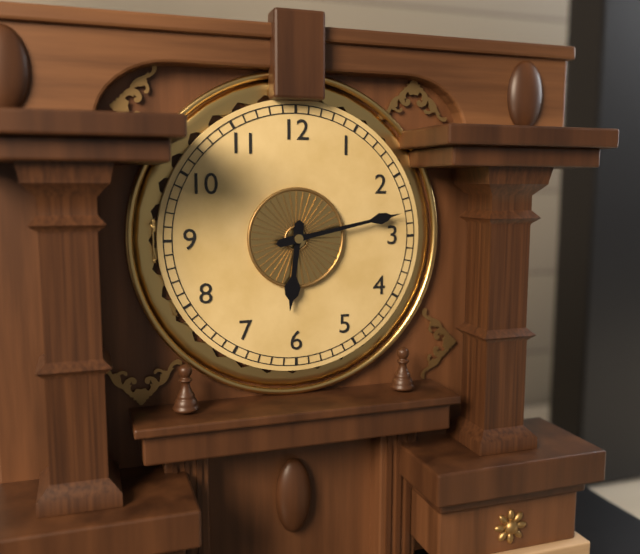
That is 6h13
